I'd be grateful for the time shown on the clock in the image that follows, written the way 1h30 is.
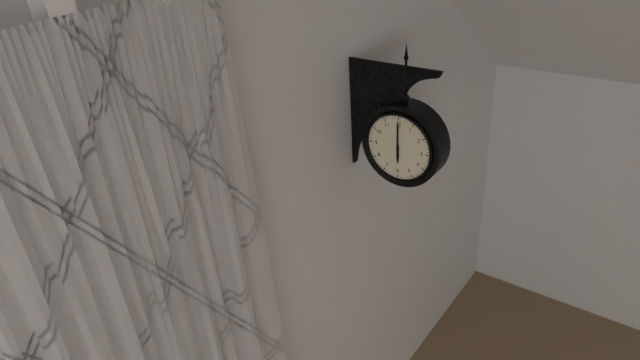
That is 6h00
